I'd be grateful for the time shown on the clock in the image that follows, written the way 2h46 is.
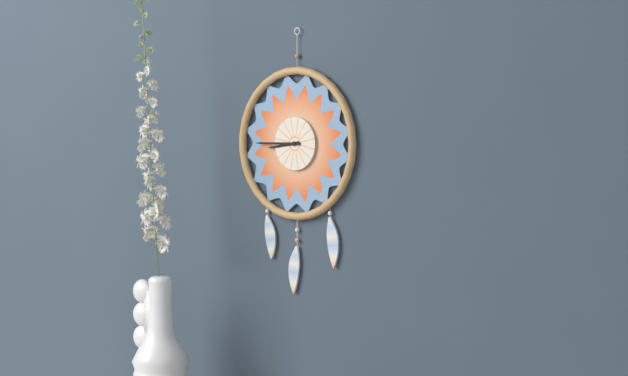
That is 8h45
